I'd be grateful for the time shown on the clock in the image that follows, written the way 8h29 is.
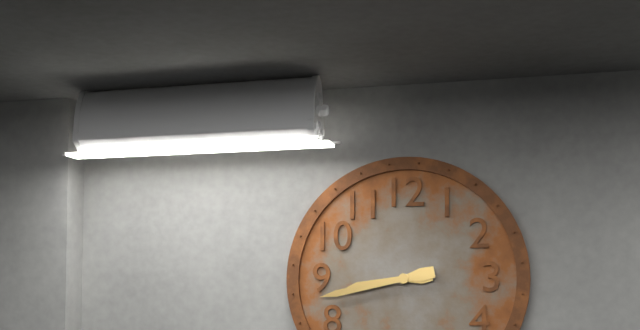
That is 8h43
